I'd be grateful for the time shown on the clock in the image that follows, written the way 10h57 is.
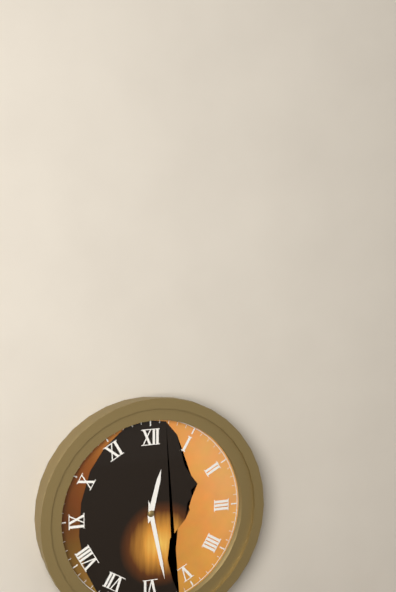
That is 12h28
